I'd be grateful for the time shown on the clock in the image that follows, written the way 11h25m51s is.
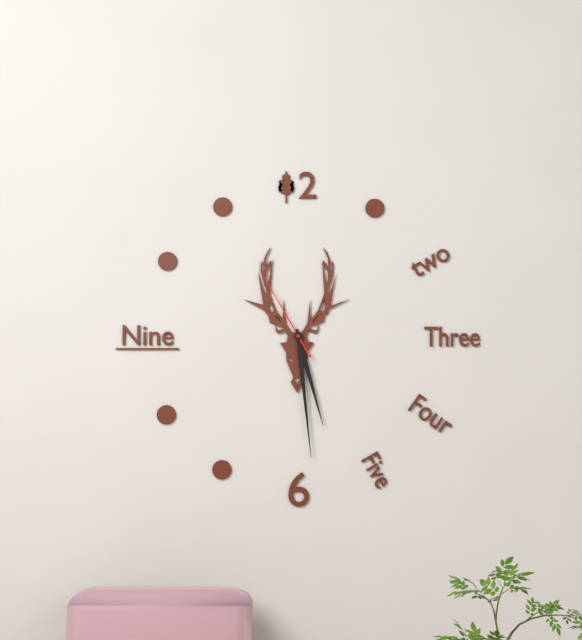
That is 5h29m55s
